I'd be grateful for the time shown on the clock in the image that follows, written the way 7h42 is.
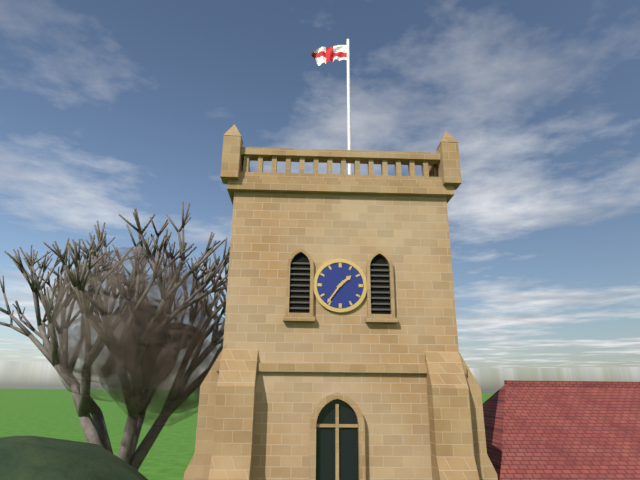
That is 1h36
